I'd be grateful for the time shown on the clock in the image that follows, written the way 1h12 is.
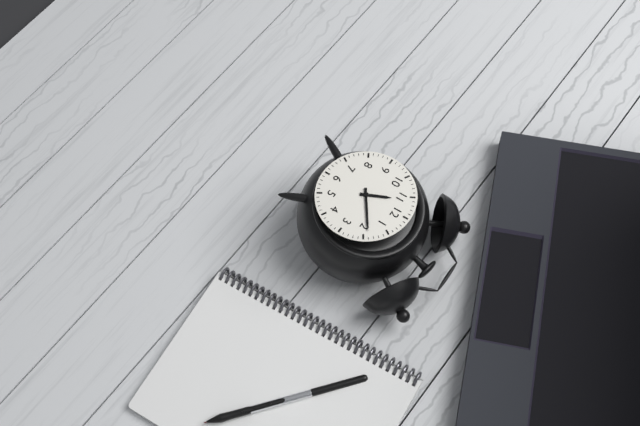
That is 11h09
